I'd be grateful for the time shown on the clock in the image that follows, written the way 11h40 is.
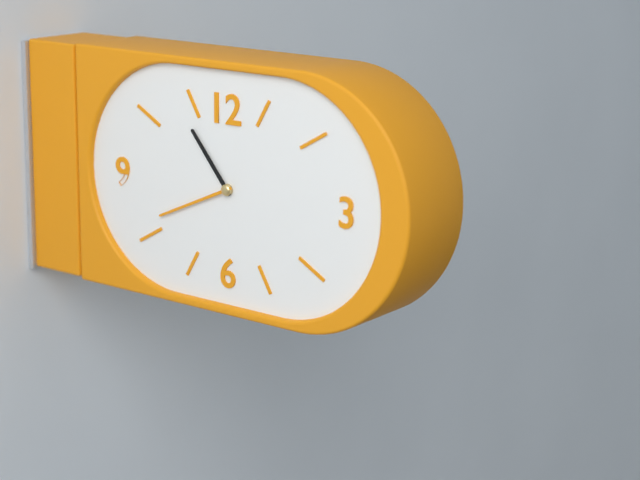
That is 10h41
